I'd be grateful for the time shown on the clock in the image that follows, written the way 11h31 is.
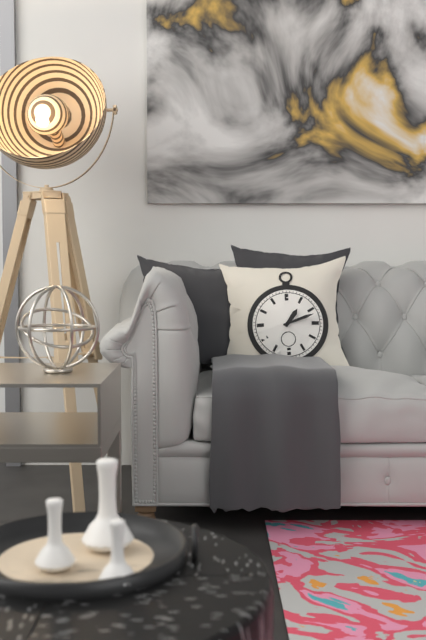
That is 1h12
